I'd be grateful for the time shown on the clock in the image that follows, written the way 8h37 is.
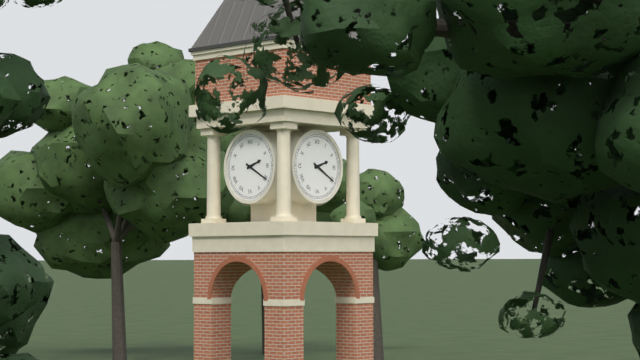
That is 2h20
